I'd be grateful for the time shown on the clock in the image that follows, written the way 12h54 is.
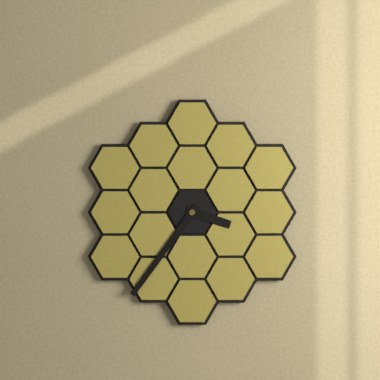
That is 3h36
